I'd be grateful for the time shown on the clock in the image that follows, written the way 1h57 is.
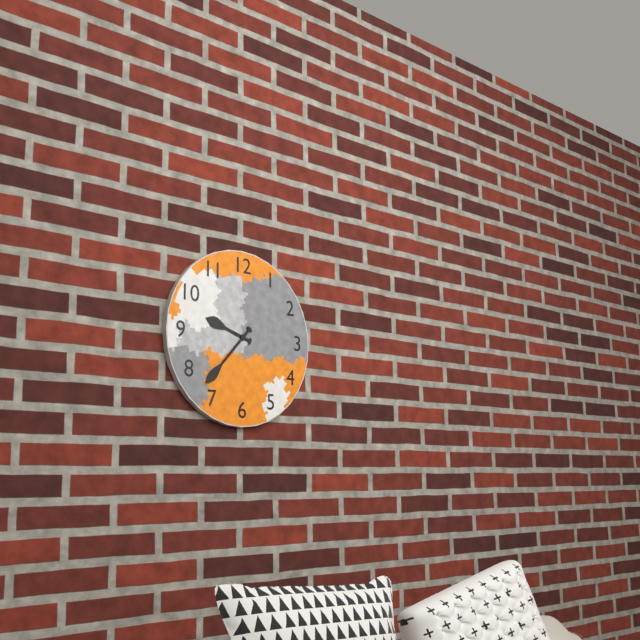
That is 9h37
